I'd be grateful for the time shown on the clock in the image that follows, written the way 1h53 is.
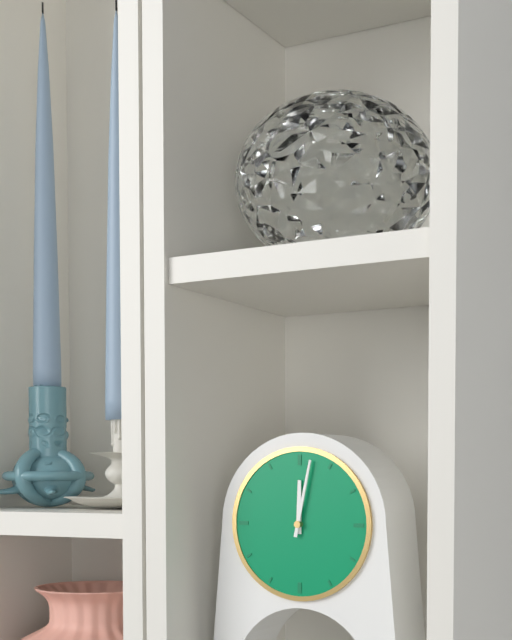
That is 12h02
